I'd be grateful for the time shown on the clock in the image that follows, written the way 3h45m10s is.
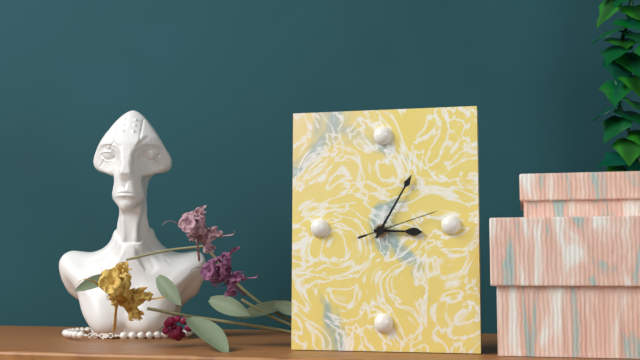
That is 3h05m12s
